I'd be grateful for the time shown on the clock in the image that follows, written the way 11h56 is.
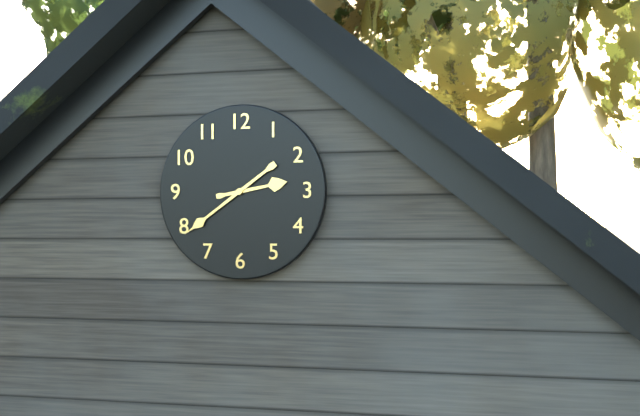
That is 2h39
